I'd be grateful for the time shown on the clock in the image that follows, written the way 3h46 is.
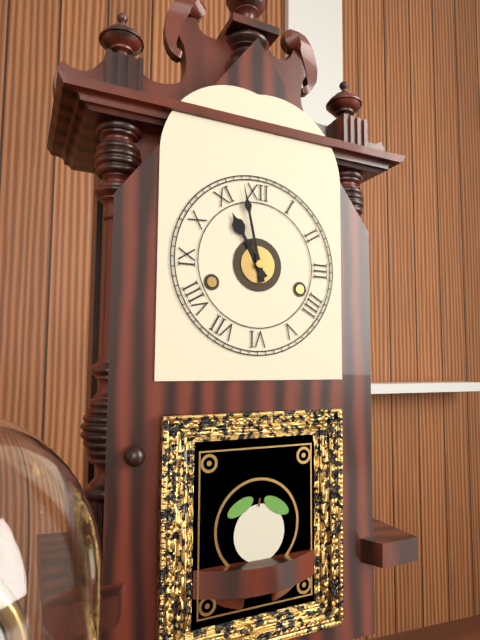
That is 10h58
